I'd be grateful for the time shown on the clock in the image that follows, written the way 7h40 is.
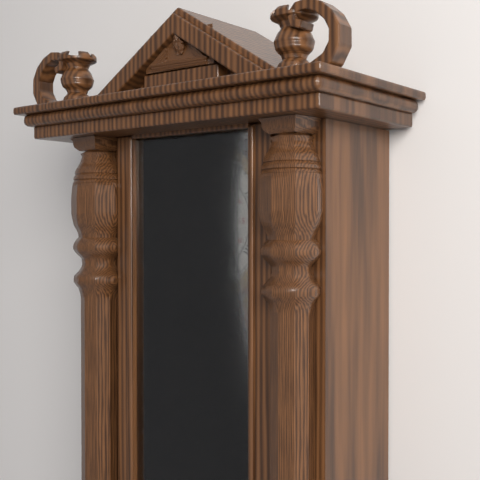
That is 4h55
